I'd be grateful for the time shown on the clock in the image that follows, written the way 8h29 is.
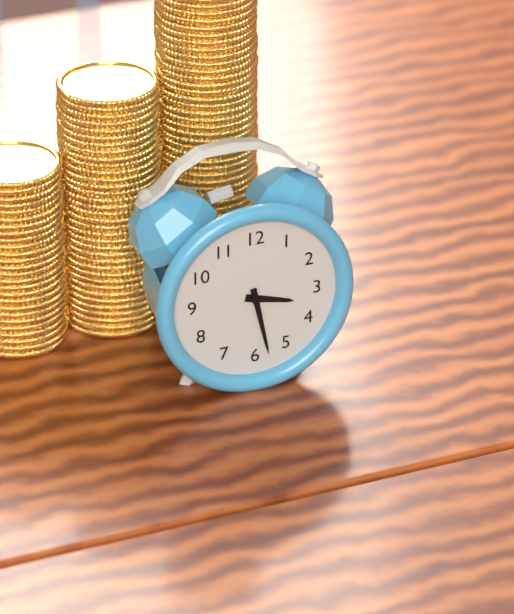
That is 3h28
